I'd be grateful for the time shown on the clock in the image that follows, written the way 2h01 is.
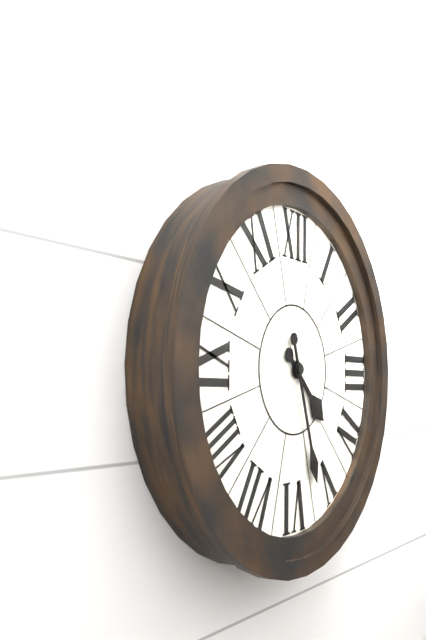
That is 4h27
